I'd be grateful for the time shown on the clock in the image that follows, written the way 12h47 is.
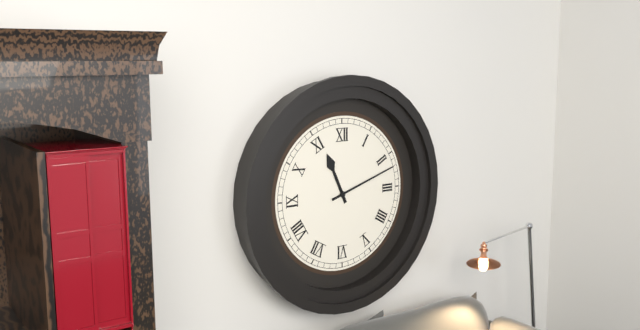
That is 11h12
